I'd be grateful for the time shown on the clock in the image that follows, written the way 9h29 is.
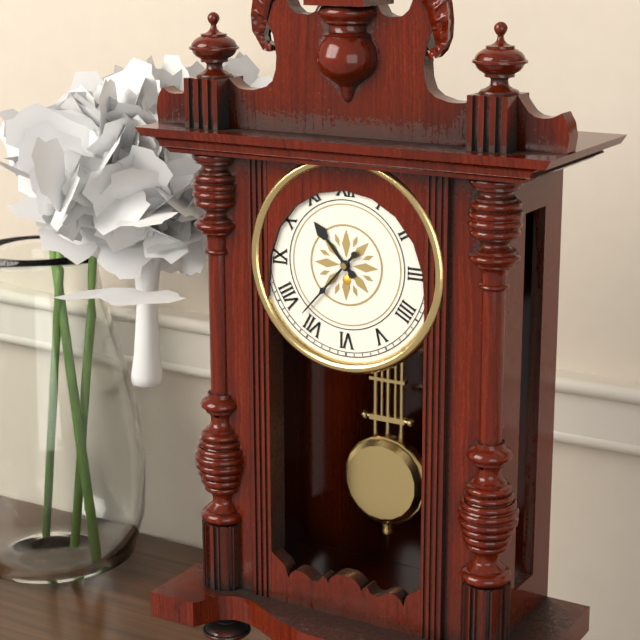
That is 10h37
